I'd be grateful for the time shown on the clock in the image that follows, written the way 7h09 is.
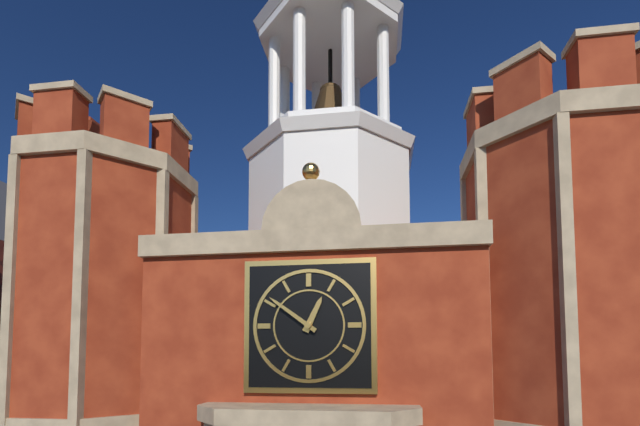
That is 12h51
